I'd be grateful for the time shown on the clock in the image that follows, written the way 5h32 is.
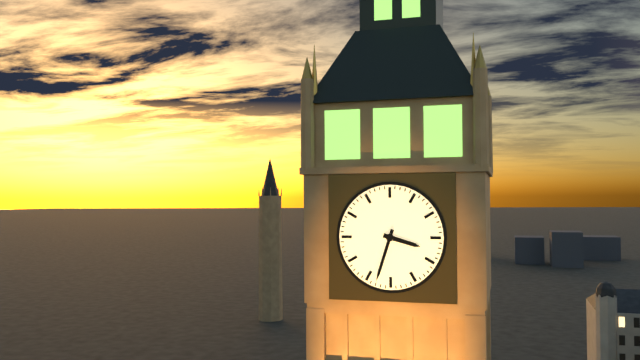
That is 3h33
